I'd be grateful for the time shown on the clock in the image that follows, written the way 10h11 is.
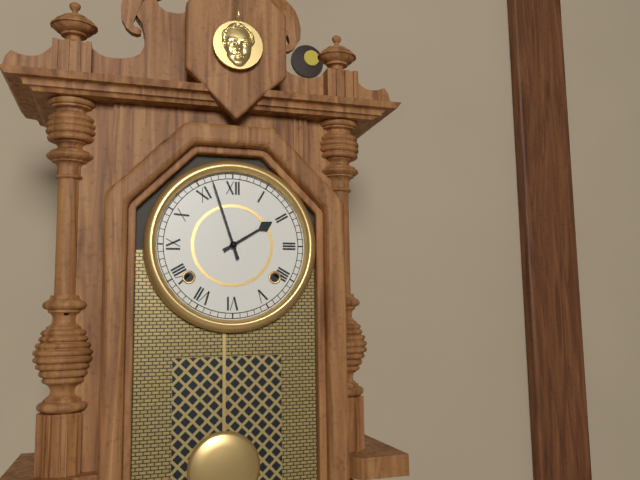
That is 1h57
